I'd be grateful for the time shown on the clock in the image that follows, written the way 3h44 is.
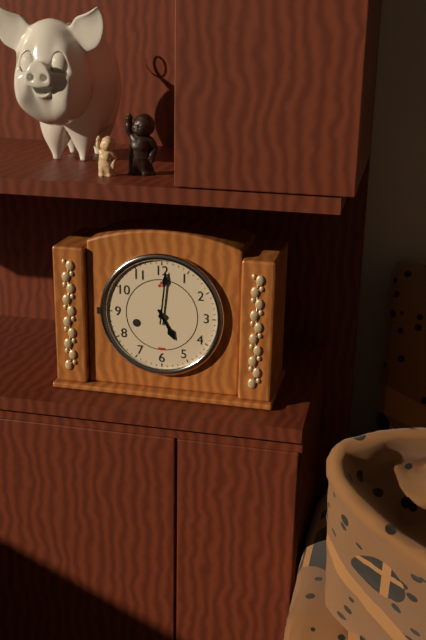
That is 5h01
